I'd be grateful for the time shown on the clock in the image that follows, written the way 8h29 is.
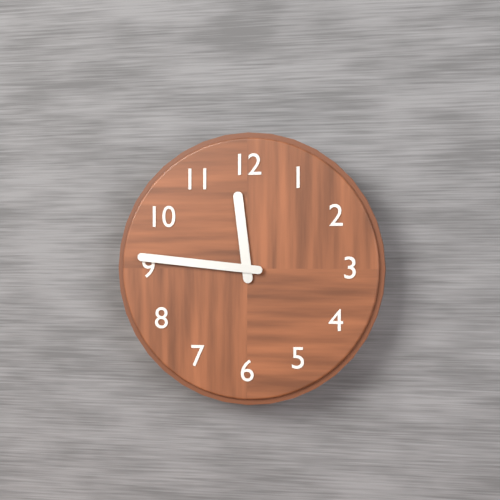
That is 11h46
